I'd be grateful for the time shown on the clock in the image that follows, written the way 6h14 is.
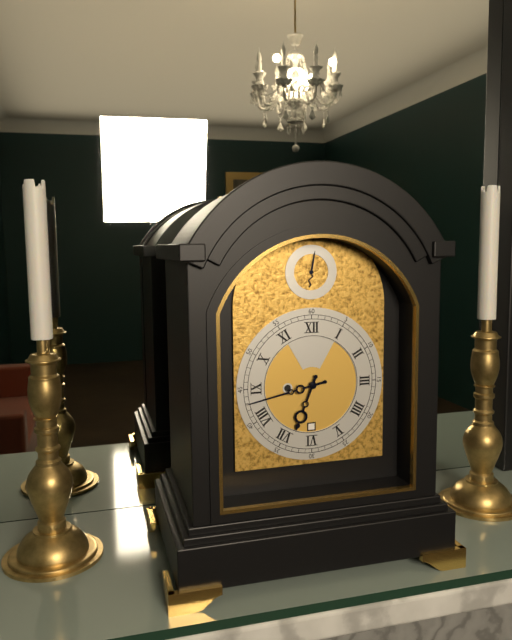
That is 6h43
